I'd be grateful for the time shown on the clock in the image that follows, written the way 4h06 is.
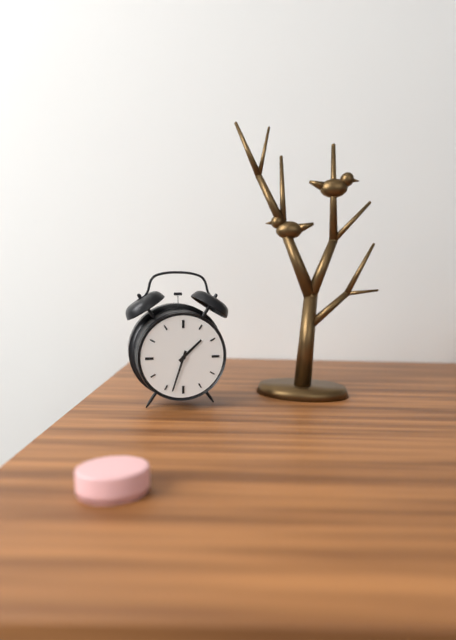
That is 1h33
